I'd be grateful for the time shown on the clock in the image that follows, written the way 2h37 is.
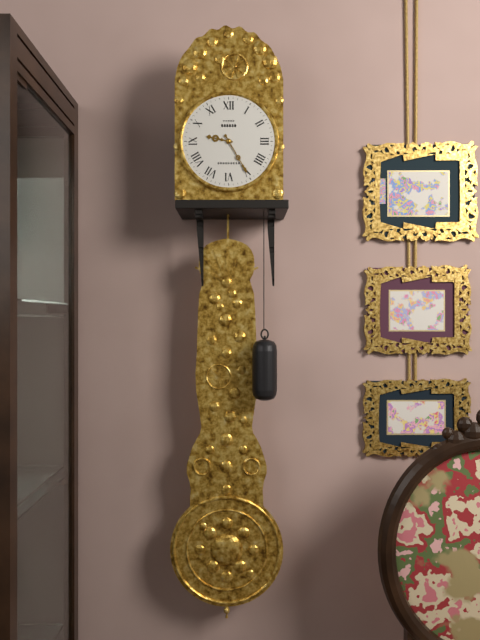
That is 9h25
